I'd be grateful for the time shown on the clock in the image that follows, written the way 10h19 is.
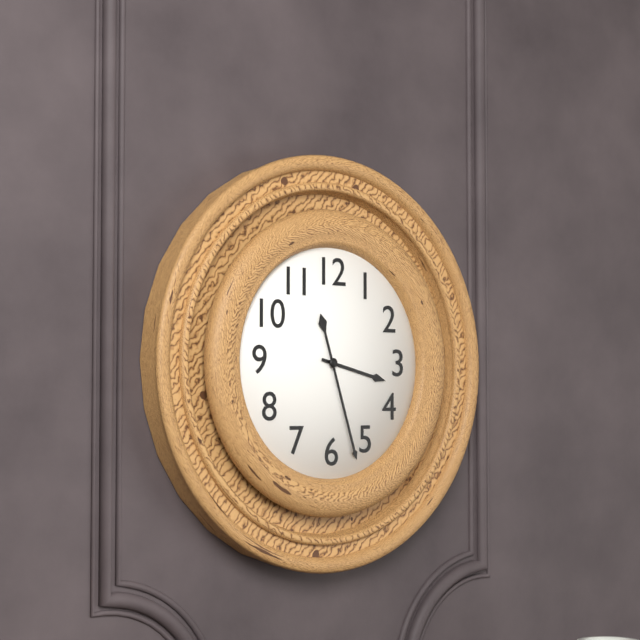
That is 3h27
